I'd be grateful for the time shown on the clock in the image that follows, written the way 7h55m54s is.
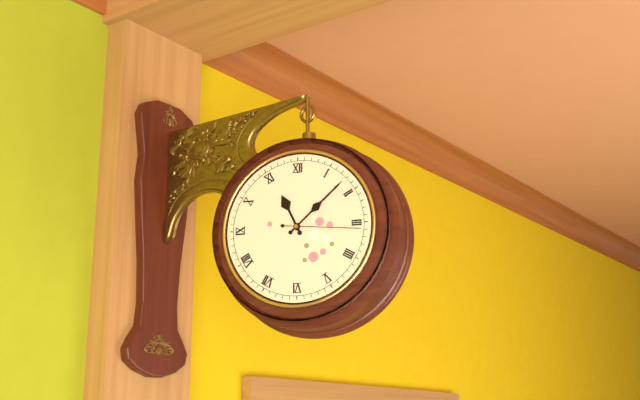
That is 11h08m16s
